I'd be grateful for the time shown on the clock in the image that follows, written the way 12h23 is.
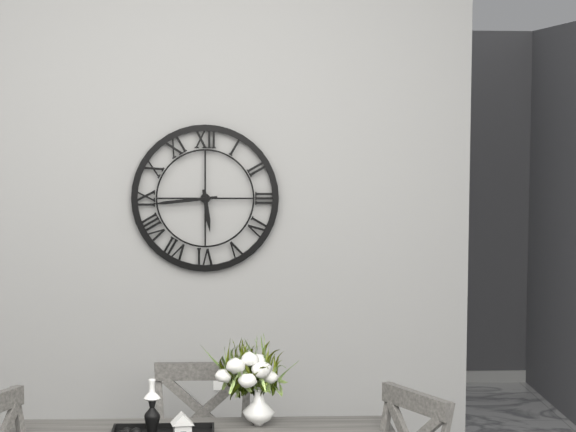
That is 5h44
